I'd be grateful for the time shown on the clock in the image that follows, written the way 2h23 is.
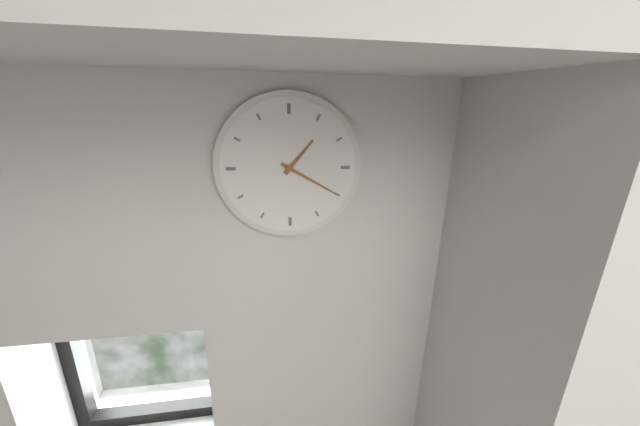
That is 1h20
